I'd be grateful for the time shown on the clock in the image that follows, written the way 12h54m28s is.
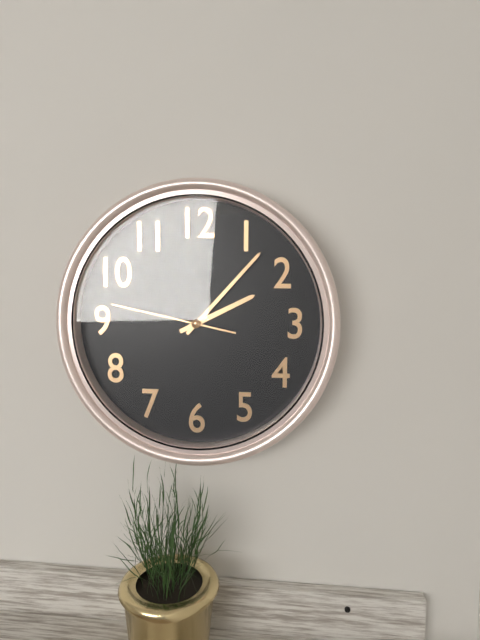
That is 2h07m47s
